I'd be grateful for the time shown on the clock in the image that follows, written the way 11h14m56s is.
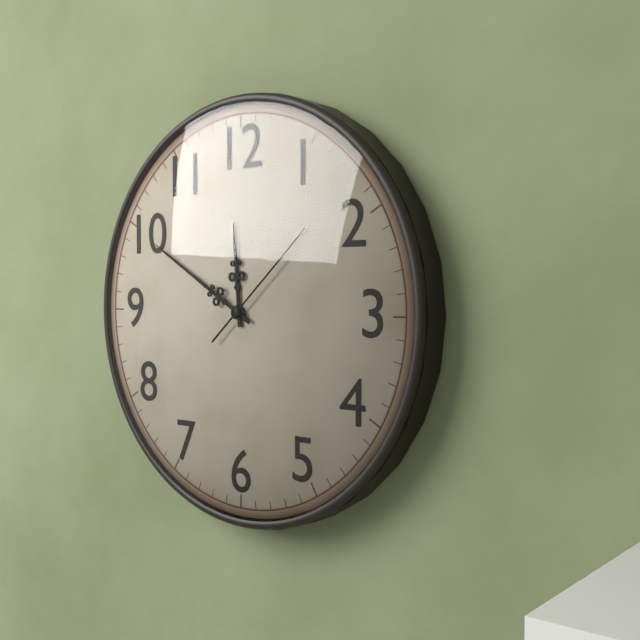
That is 11h50m08s
